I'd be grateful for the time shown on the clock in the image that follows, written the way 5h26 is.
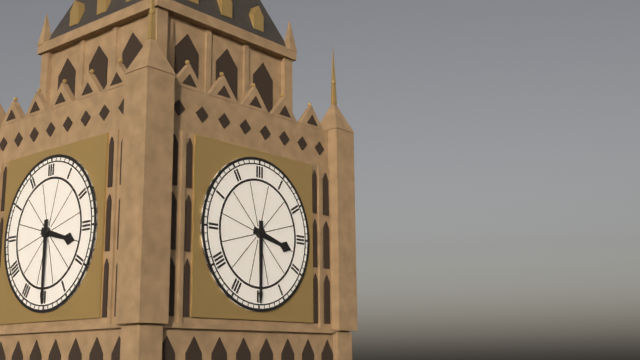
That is 3h30
